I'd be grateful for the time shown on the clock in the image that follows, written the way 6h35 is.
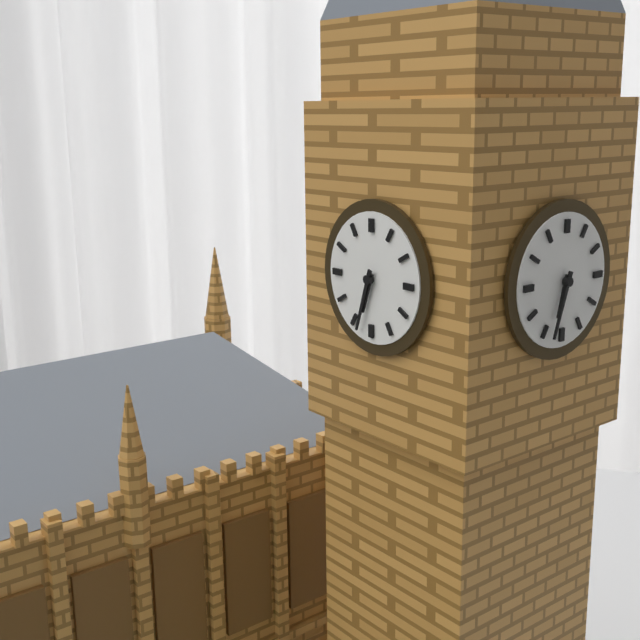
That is 6h33
